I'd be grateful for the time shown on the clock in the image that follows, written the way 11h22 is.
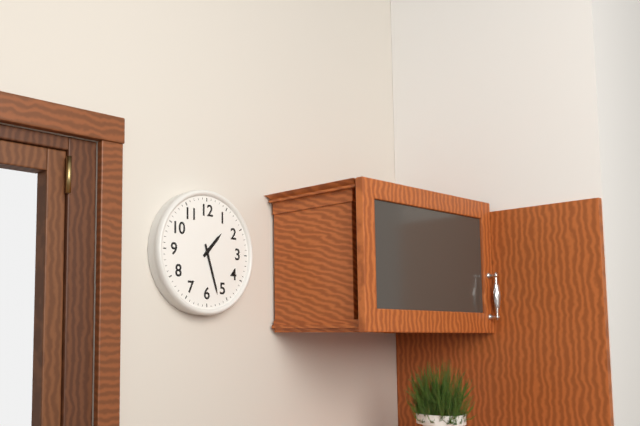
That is 1h27
